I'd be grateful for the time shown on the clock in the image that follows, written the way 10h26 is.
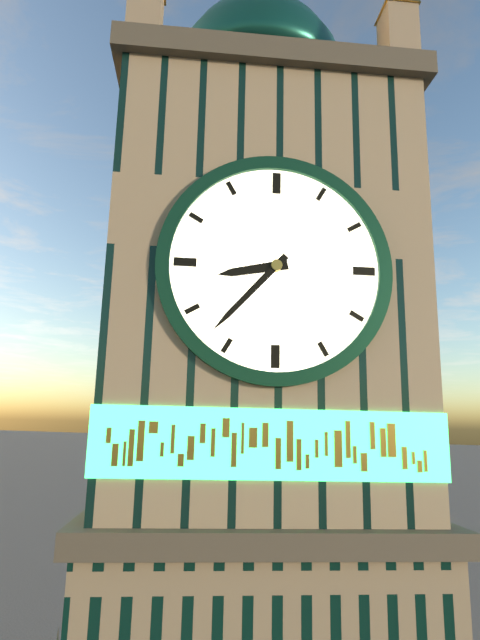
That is 8h37
